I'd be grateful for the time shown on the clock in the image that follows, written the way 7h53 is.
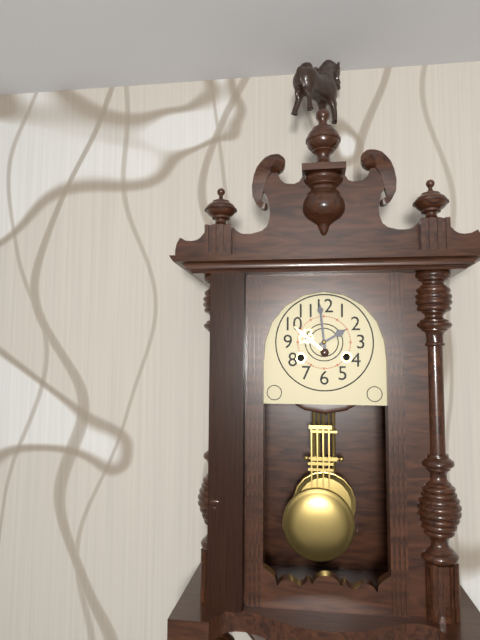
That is 1h59
